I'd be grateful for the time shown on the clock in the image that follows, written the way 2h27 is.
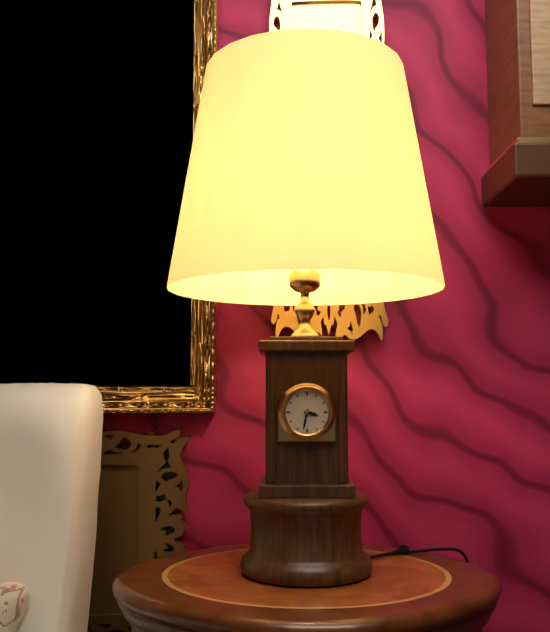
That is 3h32
